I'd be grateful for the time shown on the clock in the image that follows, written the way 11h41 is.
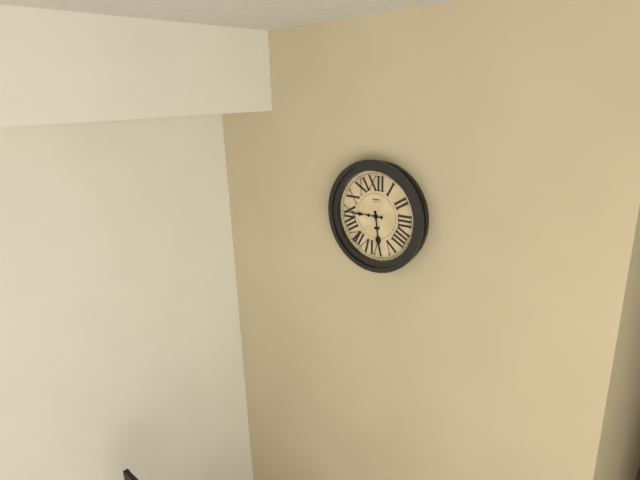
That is 5h45
